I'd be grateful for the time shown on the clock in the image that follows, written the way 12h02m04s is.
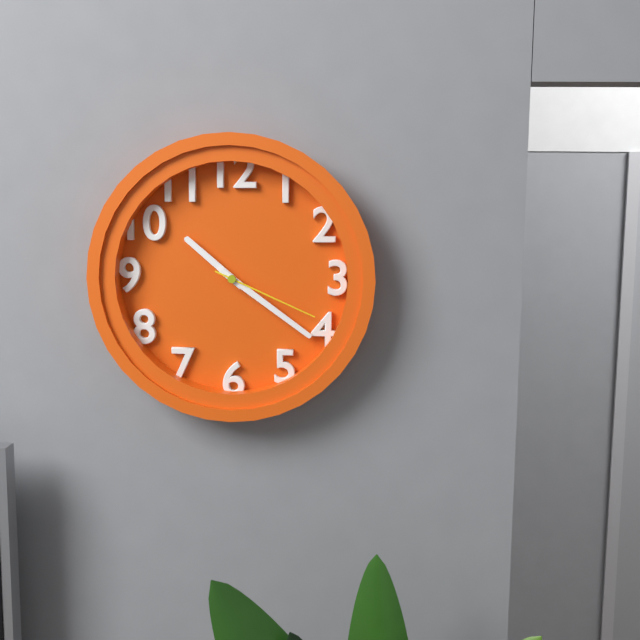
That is 10h21m19s
